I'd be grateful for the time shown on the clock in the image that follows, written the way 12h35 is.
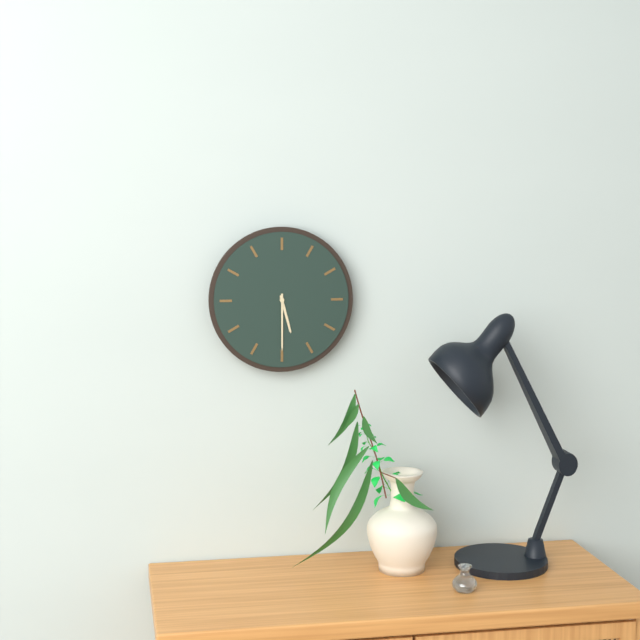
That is 5h30
